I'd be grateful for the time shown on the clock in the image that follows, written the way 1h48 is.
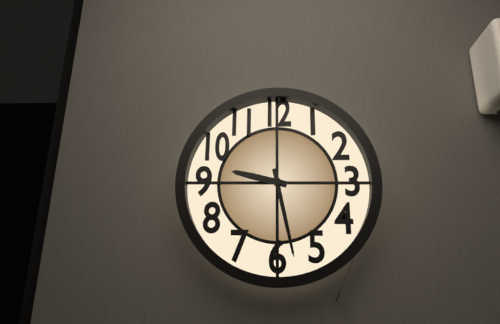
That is 9h28
